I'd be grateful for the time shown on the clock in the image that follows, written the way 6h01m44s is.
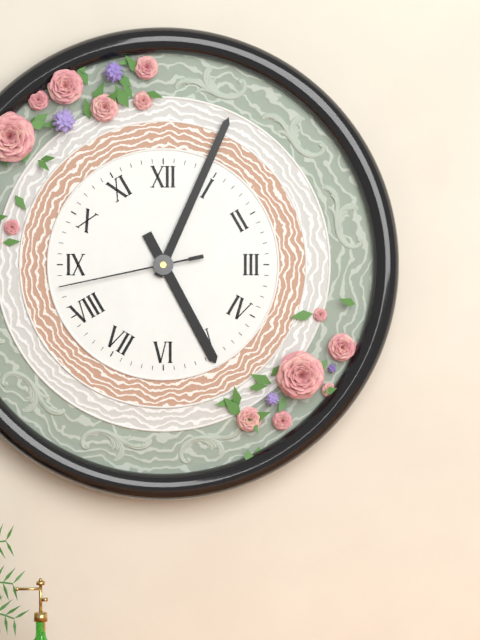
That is 5h04m43s
